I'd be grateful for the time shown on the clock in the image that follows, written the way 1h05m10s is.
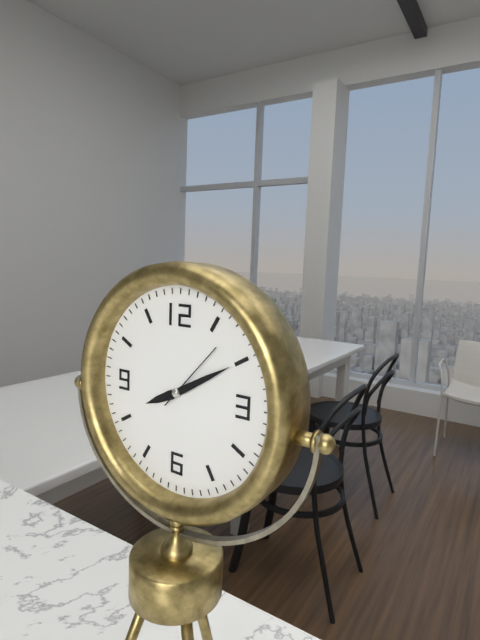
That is 8h10m07s
